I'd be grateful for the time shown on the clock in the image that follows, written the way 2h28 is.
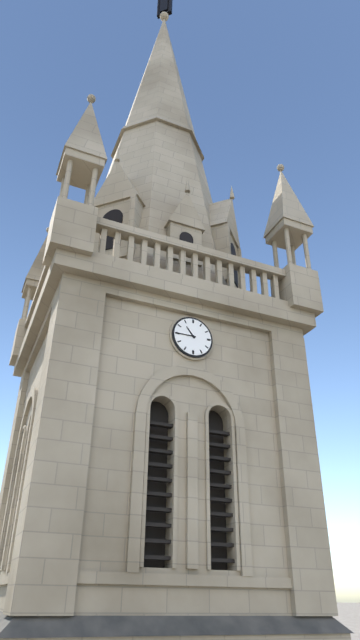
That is 10h45
